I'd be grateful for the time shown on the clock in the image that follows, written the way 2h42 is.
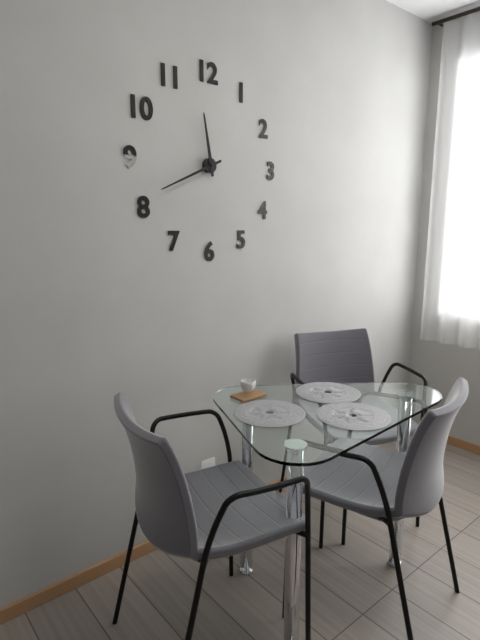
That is 11h41
